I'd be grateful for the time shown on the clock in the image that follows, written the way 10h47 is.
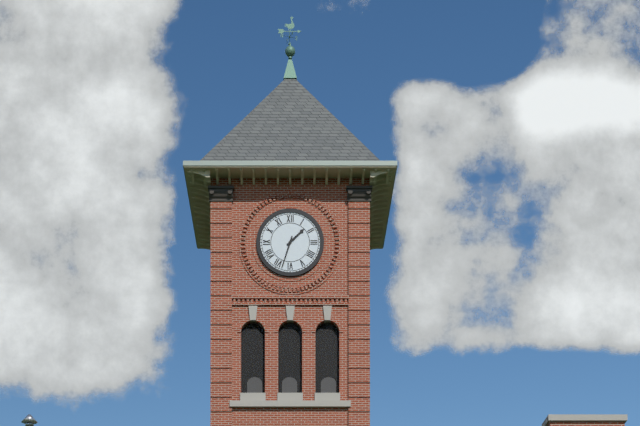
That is 1h33
